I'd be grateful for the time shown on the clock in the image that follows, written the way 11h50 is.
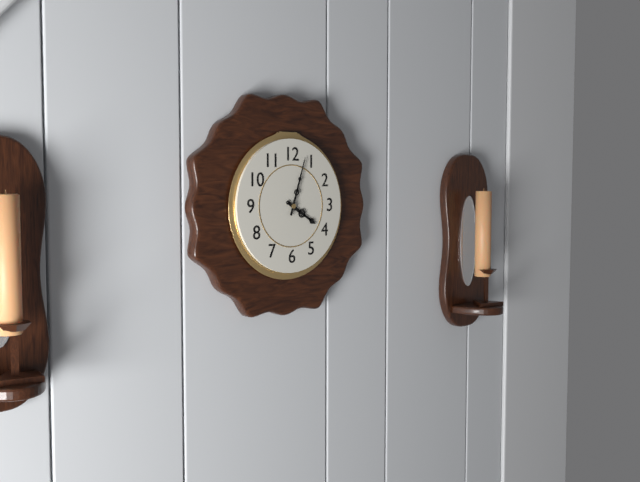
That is 4h03
